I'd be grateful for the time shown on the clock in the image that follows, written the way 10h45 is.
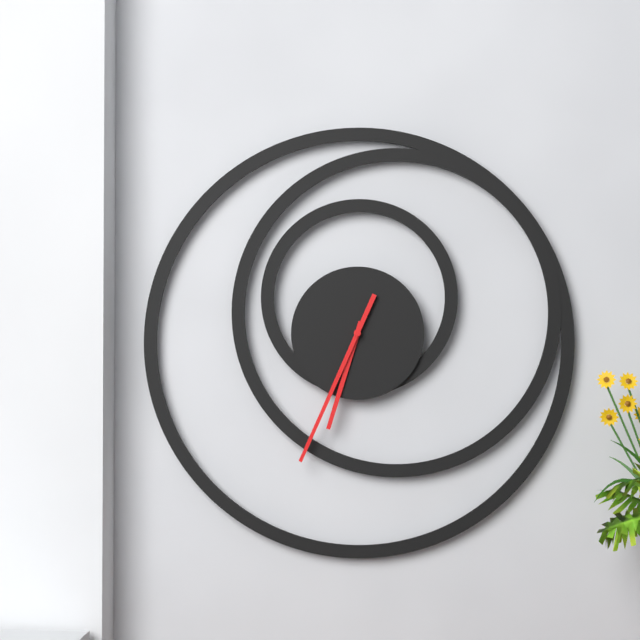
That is 6h34
